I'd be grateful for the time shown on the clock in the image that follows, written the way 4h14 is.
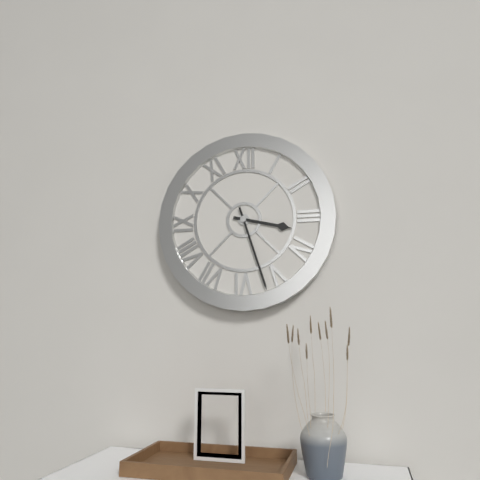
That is 3h27
